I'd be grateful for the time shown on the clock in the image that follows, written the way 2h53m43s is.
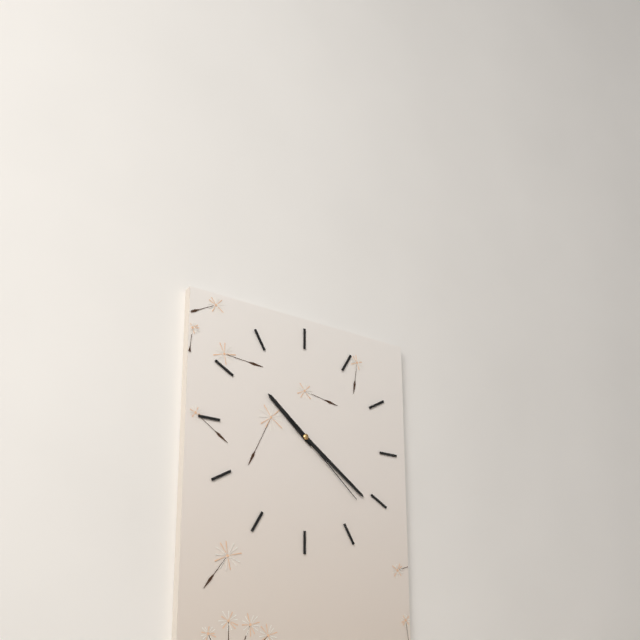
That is 10h21m22s
